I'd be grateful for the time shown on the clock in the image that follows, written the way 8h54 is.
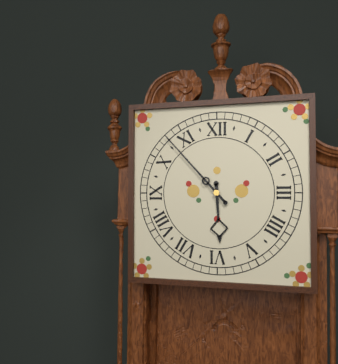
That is 5h53
